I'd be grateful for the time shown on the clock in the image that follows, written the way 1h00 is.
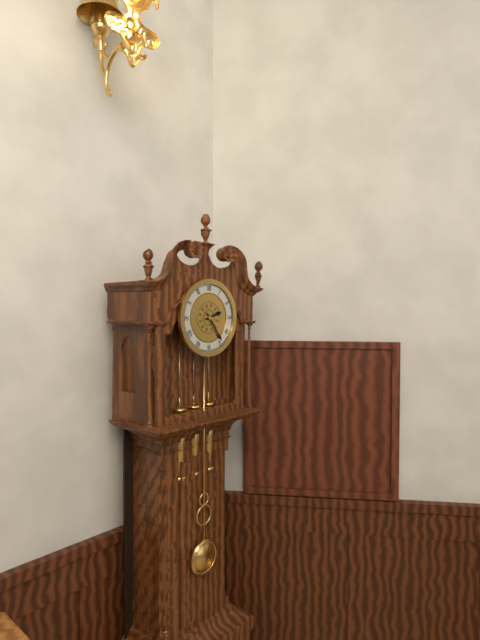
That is 2h24
